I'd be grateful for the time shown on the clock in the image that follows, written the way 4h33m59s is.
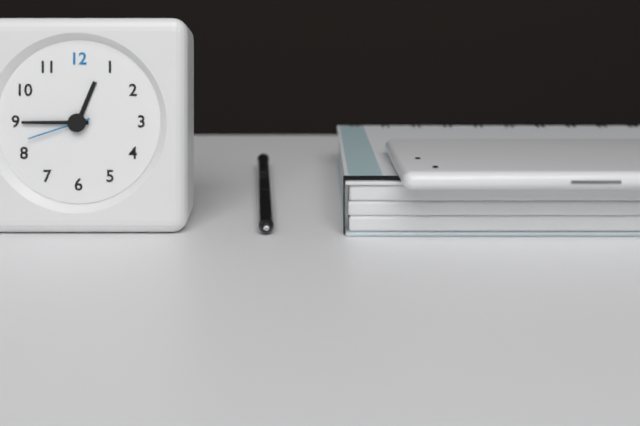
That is 12h45m42s
